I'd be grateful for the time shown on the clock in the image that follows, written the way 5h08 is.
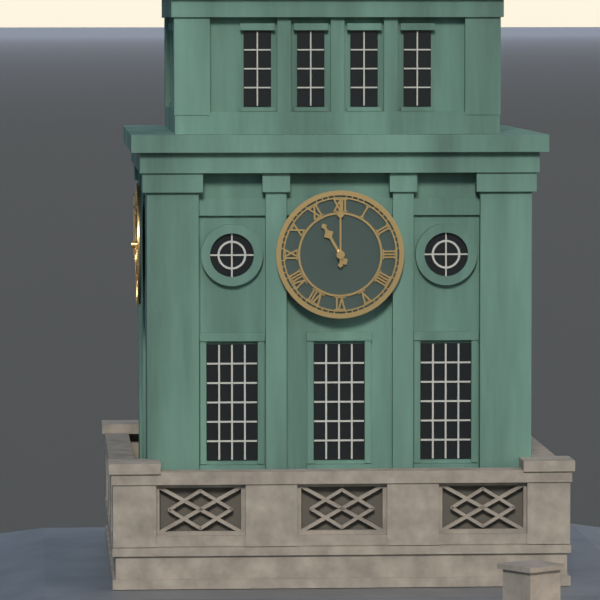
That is 11h00
